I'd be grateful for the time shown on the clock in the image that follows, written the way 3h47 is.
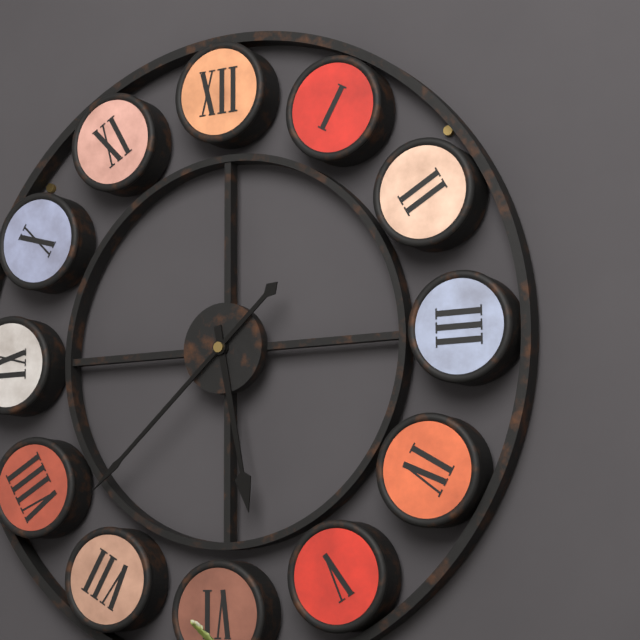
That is 5h38
